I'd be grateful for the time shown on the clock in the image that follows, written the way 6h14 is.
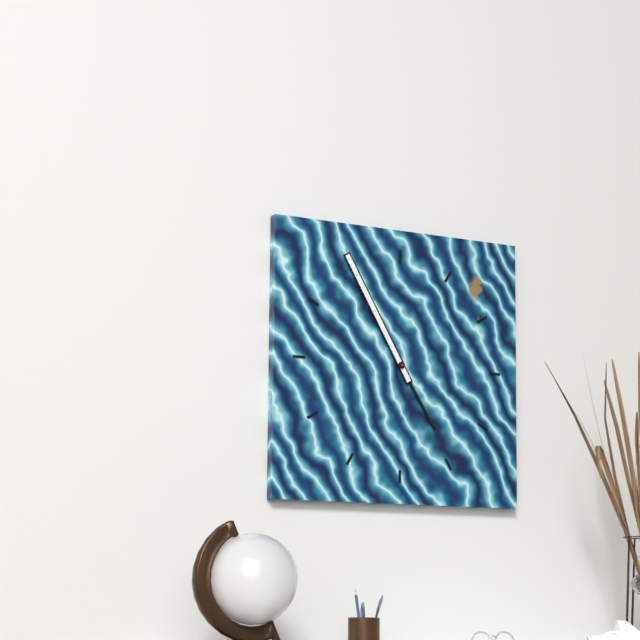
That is 4h55
